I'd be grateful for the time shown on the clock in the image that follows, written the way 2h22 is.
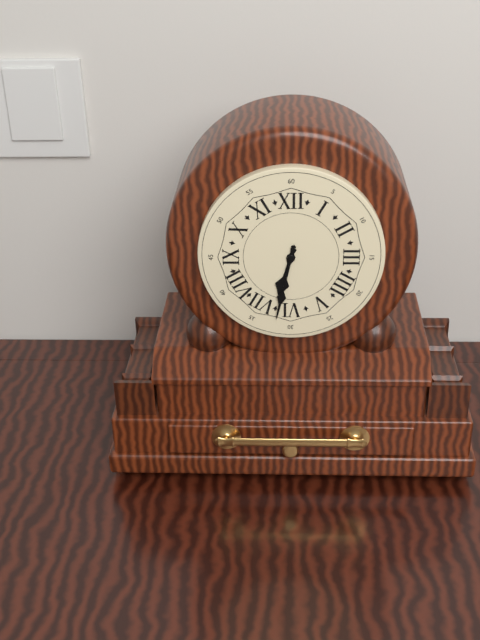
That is 6h32
